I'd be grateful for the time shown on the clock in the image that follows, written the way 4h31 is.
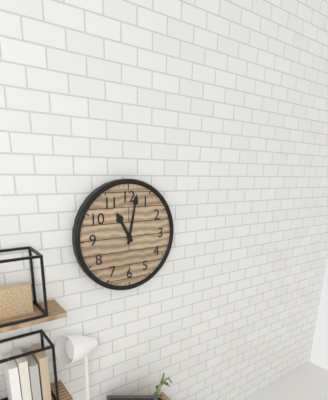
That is 11h02
